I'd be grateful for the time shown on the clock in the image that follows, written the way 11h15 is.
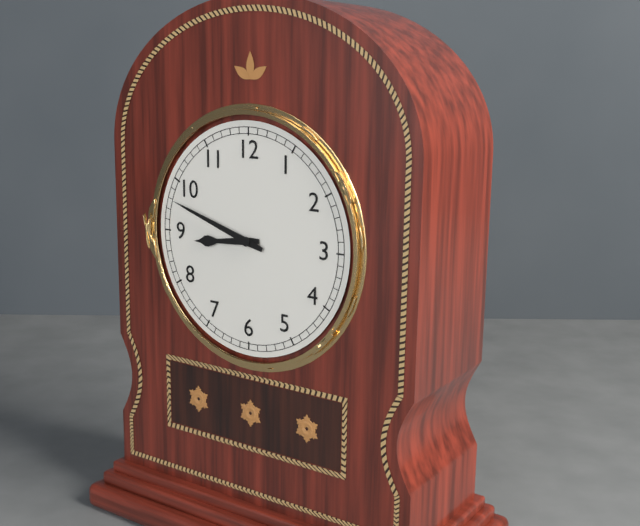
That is 8h48
